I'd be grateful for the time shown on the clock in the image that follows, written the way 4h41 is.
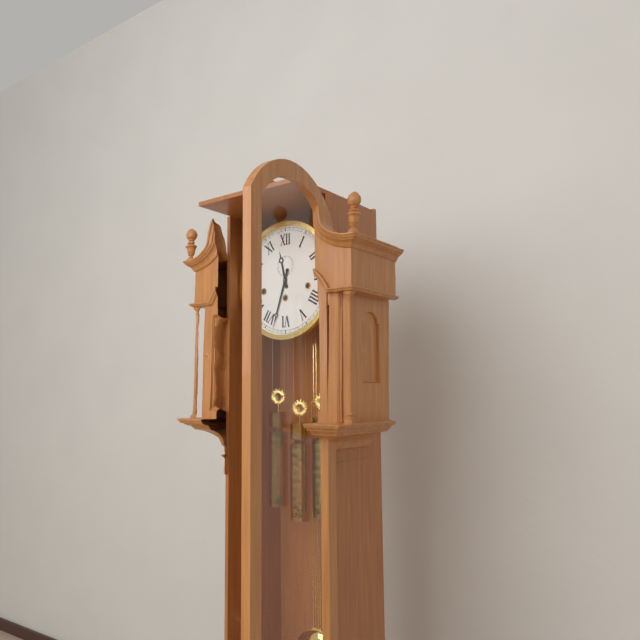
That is 11h33
